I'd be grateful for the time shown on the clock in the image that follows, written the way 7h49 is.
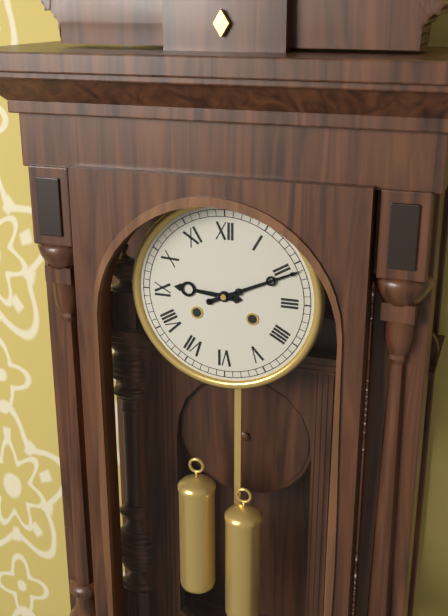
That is 9h11
